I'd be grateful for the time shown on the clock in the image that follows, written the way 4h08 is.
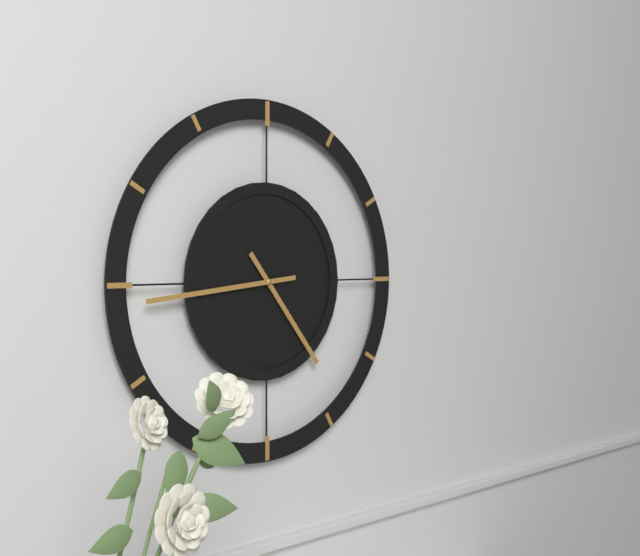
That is 4h44
